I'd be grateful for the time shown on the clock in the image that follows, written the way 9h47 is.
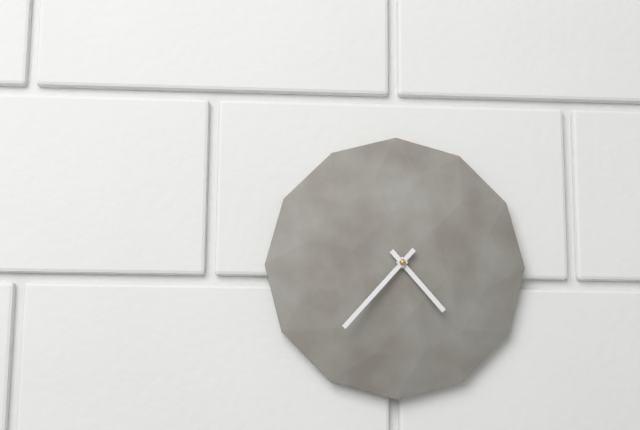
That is 4h37
